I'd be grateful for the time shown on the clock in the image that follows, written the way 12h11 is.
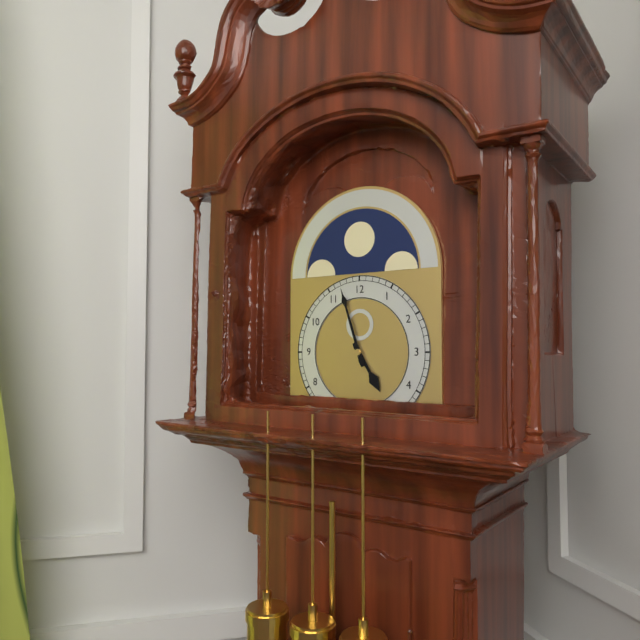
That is 4h57
